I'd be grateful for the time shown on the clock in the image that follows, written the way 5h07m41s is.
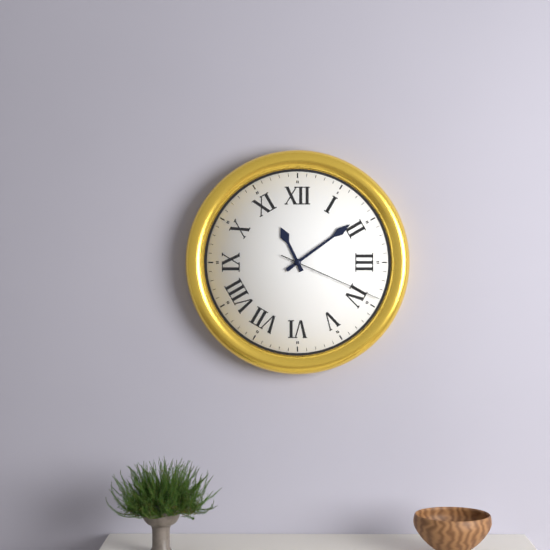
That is 11h09m19s
